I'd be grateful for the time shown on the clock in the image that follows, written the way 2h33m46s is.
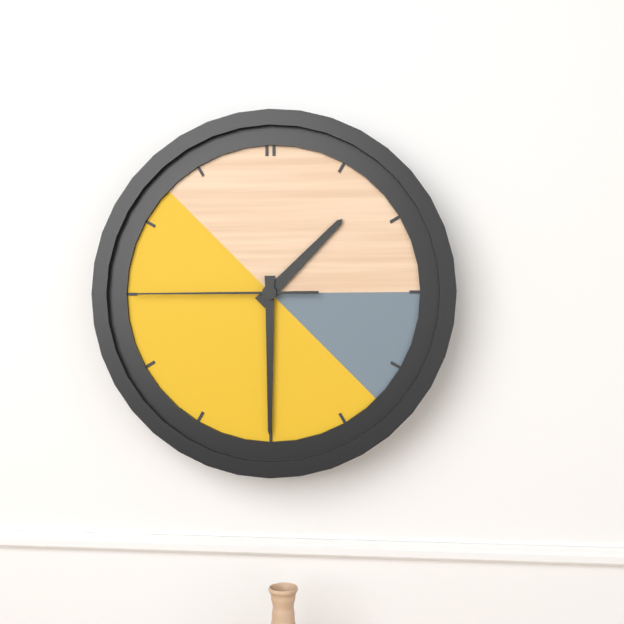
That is 1h30m45s
